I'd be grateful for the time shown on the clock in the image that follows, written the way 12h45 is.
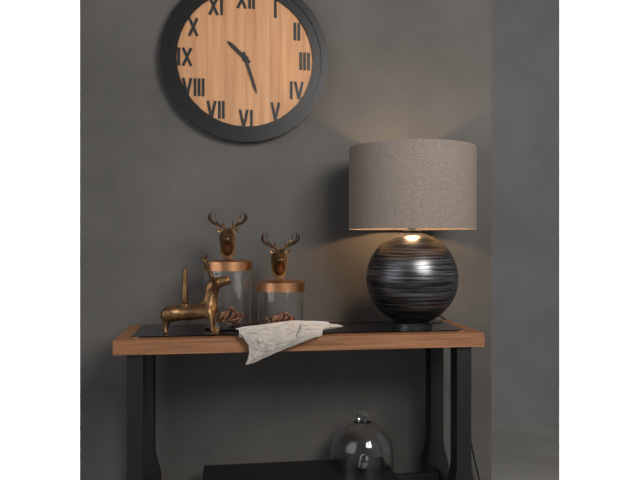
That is 10h27
